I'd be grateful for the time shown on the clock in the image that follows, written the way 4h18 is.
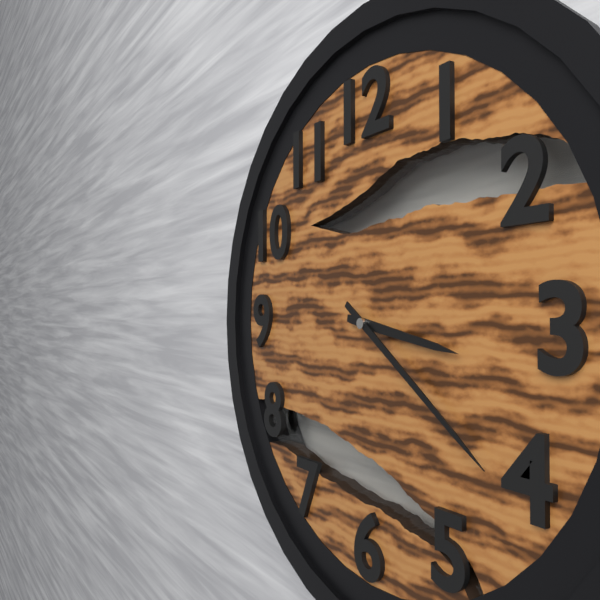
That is 3h21
